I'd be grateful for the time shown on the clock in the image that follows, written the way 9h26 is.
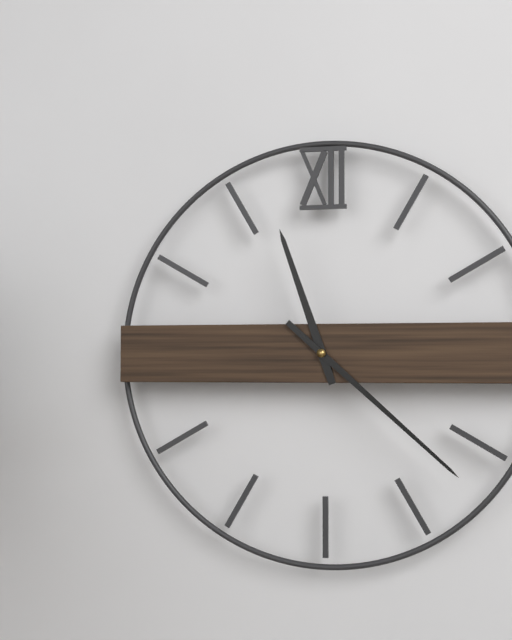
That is 11h22
